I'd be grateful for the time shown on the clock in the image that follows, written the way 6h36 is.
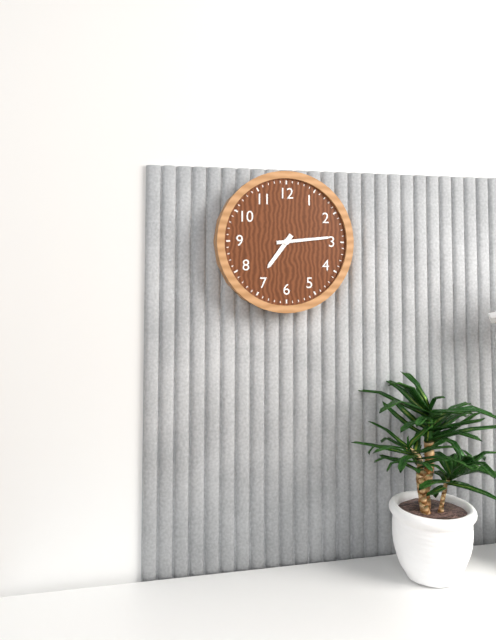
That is 7h14
